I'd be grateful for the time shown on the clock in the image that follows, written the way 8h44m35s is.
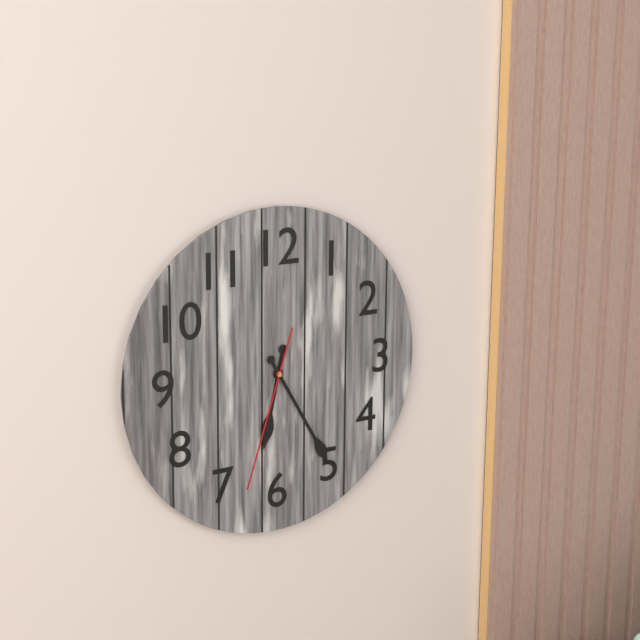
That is 6h25m33s
